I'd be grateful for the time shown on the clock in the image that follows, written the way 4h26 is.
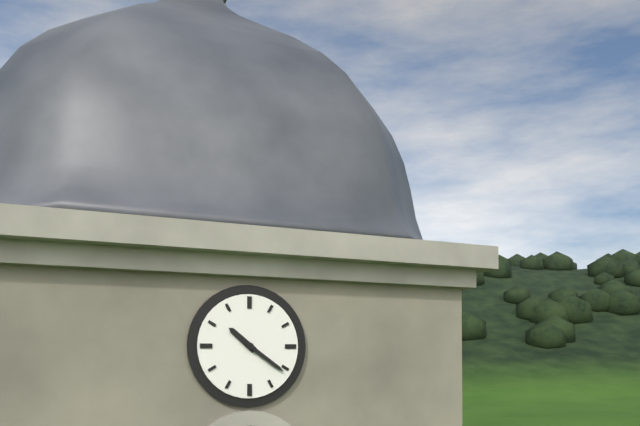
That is 10h21
